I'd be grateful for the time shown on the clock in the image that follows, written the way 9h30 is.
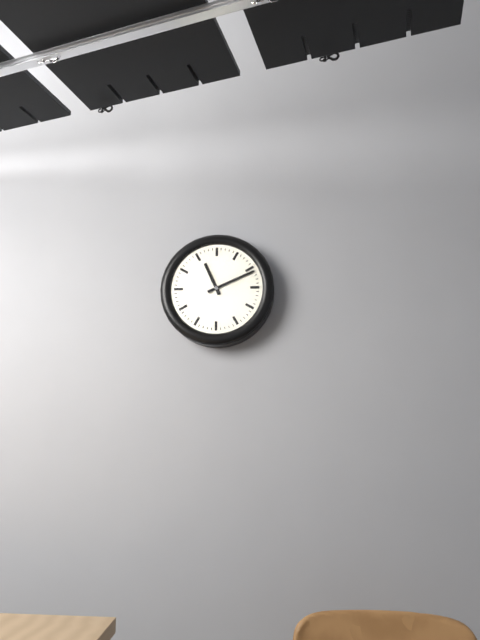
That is 11h11
